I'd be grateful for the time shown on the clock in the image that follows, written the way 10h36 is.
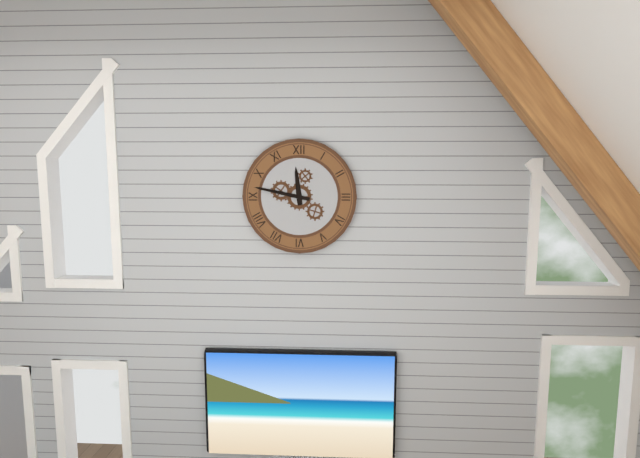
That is 11h47
